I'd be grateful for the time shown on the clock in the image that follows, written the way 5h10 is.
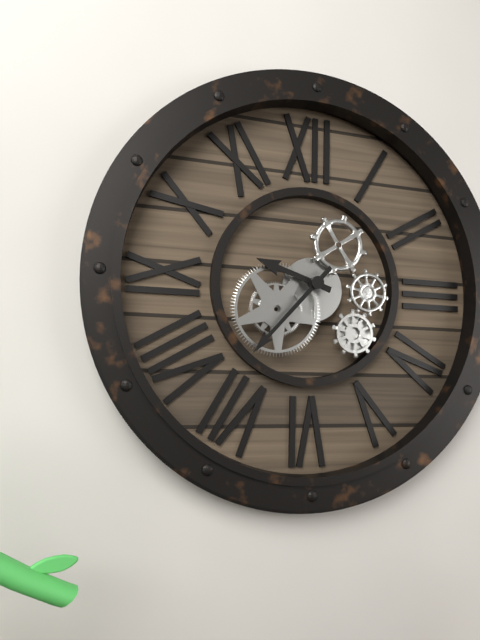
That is 9h37
